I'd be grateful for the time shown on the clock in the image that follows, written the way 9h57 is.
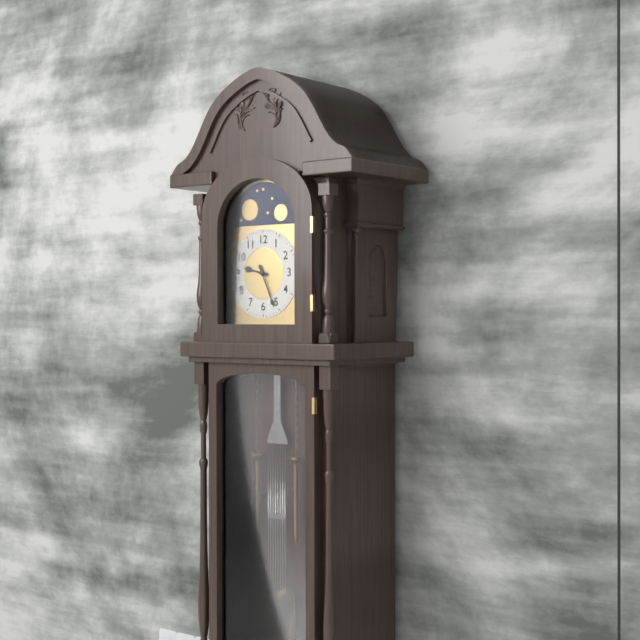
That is 9h26
